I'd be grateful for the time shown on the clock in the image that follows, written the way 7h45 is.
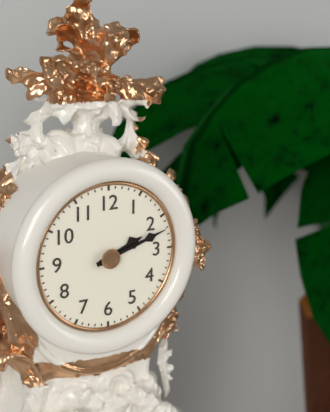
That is 2h12
